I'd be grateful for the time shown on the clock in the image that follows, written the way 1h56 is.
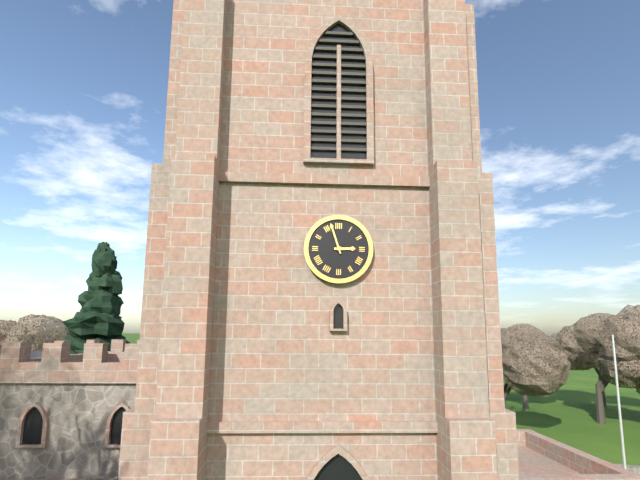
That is 2h57
